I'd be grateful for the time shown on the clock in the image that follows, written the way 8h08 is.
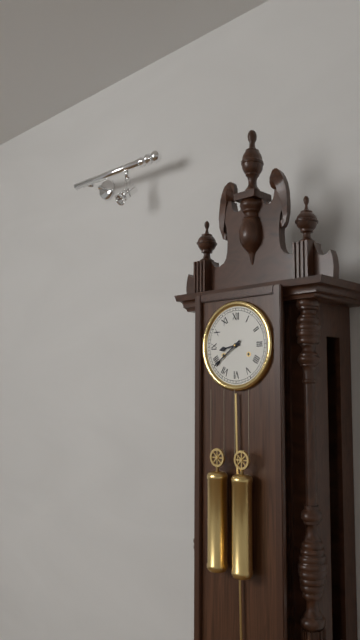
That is 8h39
